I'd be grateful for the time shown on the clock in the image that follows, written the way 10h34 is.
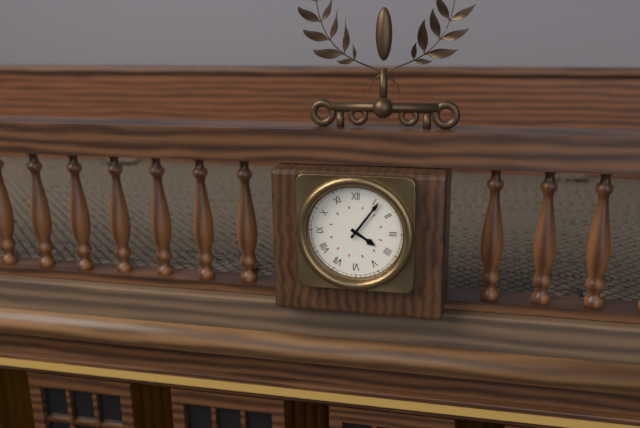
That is 4h06
